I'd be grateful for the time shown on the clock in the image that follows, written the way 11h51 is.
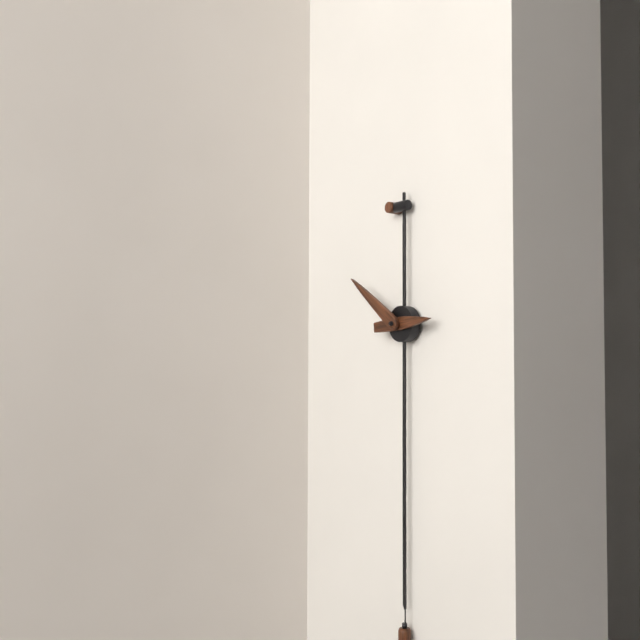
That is 2h51
